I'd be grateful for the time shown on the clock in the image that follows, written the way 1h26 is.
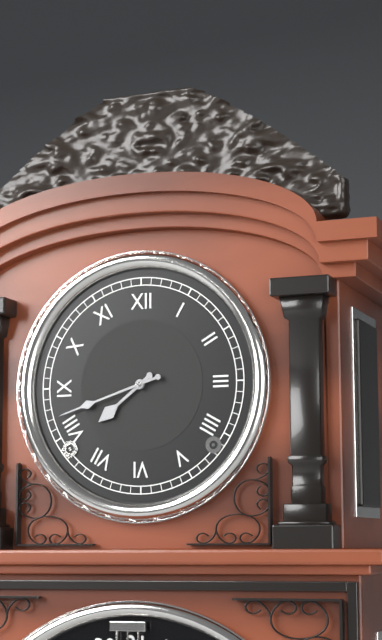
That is 7h42
